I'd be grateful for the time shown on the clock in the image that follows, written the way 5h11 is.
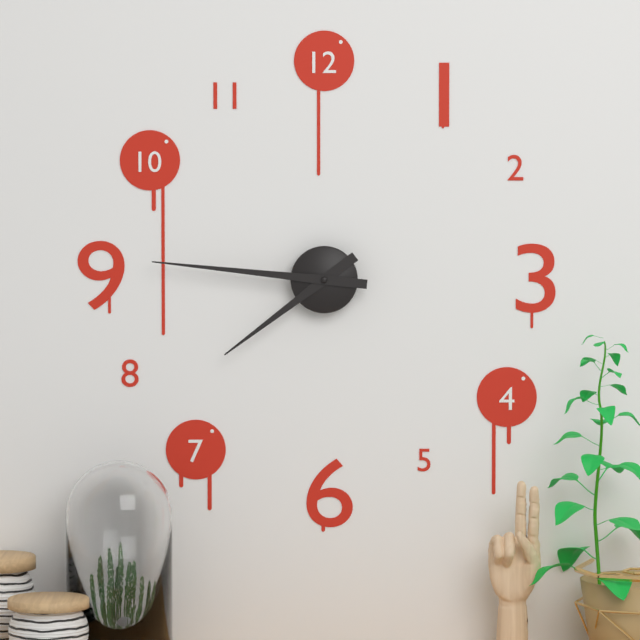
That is 7h46
